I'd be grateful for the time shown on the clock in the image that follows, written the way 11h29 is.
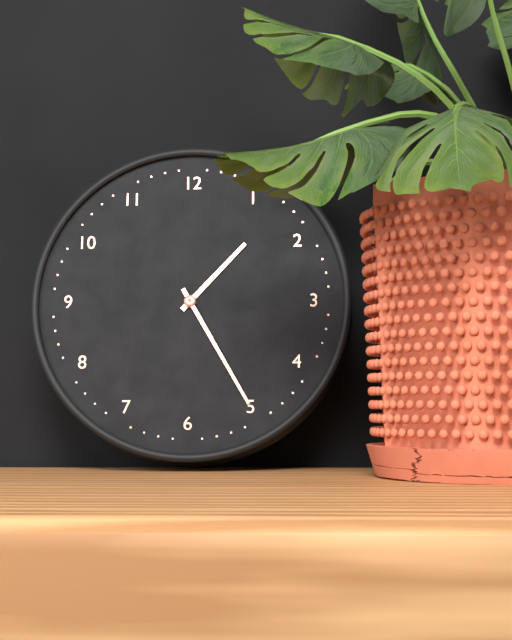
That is 1h25
